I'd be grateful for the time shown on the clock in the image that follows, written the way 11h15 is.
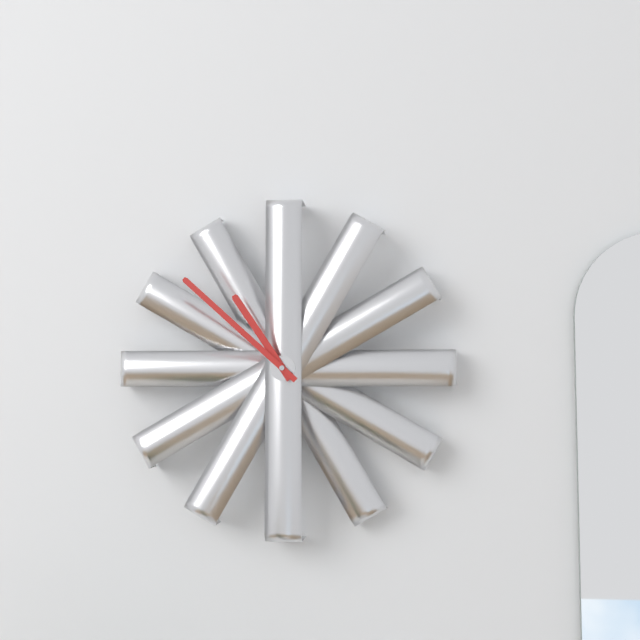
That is 10h52
